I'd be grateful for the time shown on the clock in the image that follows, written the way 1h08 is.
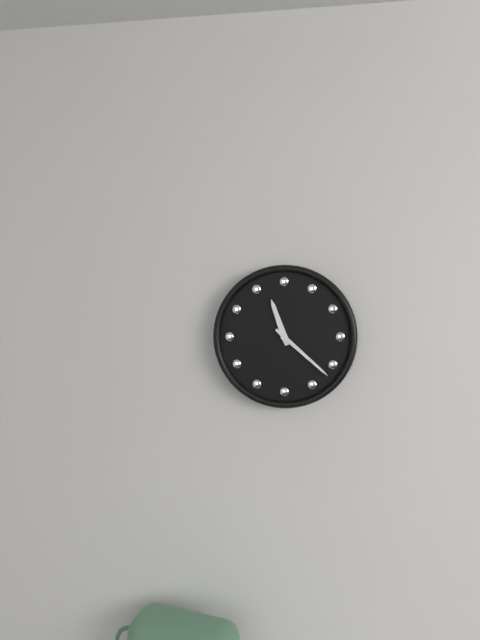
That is 11h22
